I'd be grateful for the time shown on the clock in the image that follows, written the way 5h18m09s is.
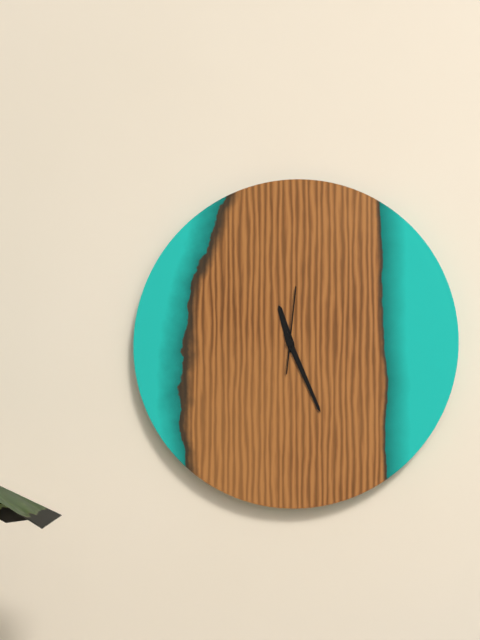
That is 11h26m01s
